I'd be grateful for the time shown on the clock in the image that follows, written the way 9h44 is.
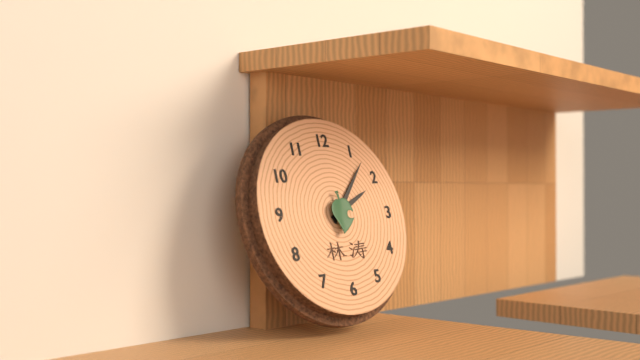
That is 2h07
